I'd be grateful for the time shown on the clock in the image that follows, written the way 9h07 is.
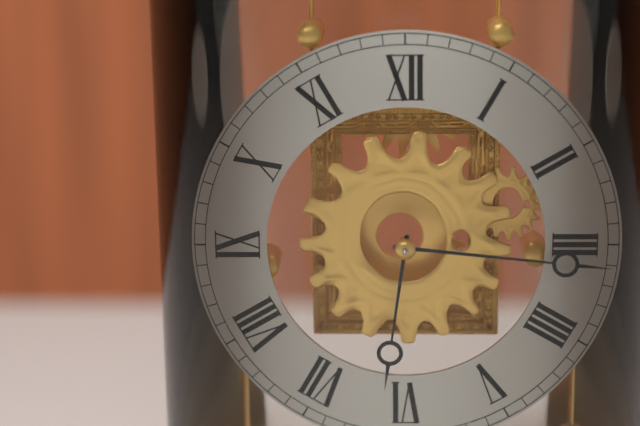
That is 6h16
